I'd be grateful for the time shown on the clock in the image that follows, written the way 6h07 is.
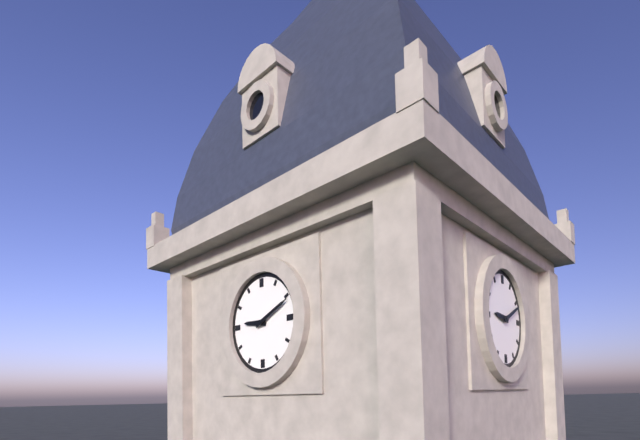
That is 9h11
